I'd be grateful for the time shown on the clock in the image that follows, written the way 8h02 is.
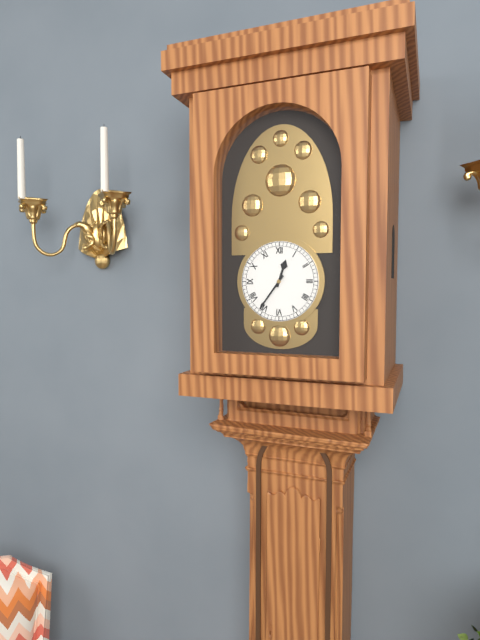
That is 12h36
